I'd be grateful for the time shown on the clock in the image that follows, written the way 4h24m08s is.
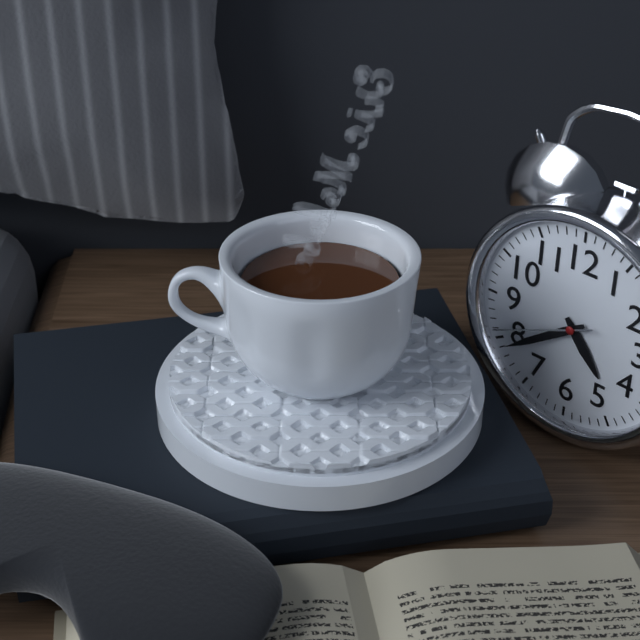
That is 4h39m41s
